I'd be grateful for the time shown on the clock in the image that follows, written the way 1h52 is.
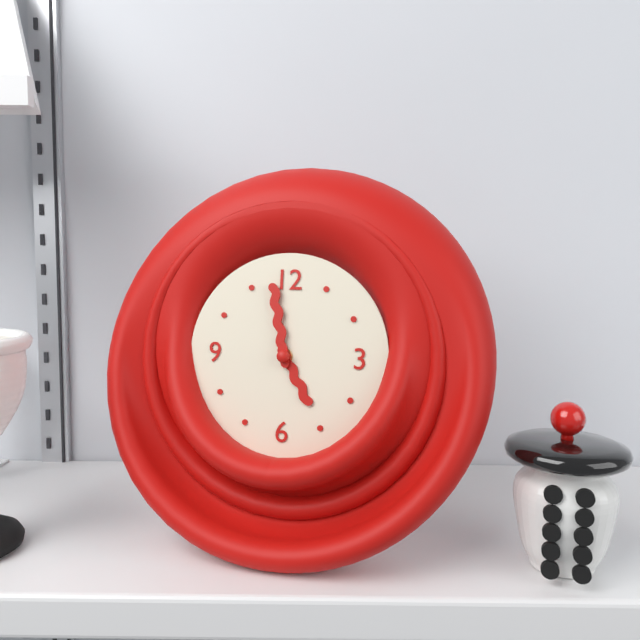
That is 4h58
